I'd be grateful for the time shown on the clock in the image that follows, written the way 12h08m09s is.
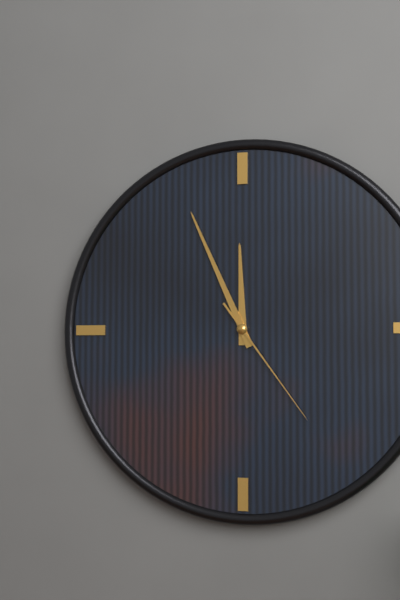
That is 11h56m24s
